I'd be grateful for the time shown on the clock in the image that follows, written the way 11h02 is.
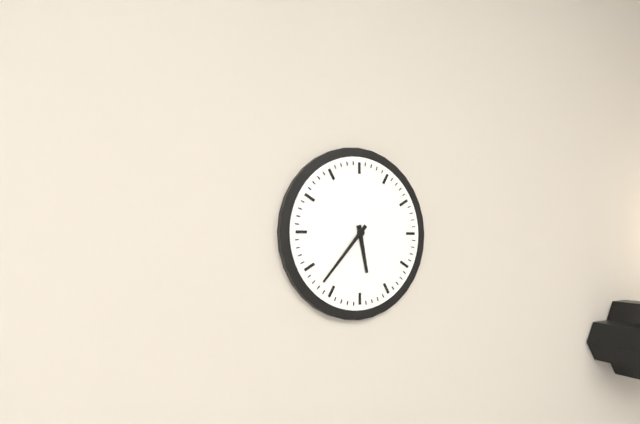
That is 5h37
